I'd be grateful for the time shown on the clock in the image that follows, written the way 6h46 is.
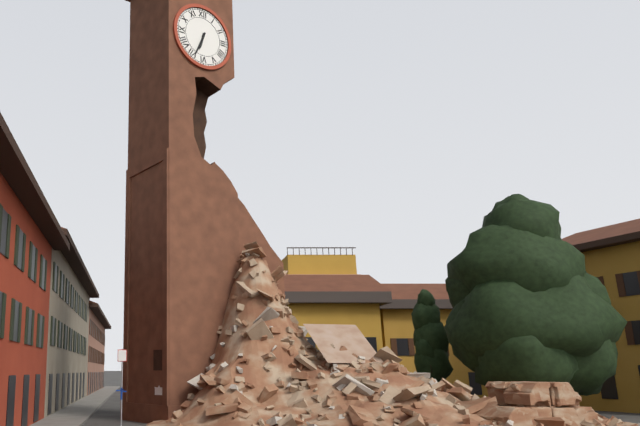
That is 6h34
